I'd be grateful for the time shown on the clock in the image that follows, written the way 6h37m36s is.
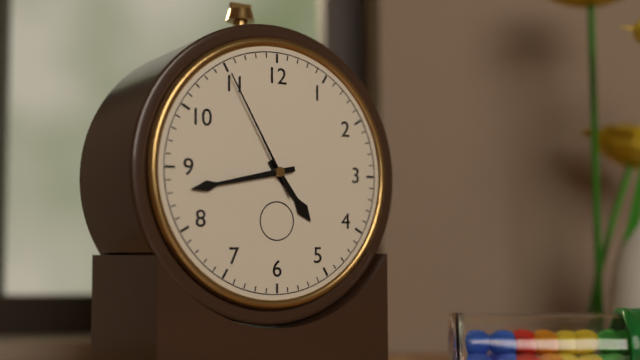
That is 4h43m55s
